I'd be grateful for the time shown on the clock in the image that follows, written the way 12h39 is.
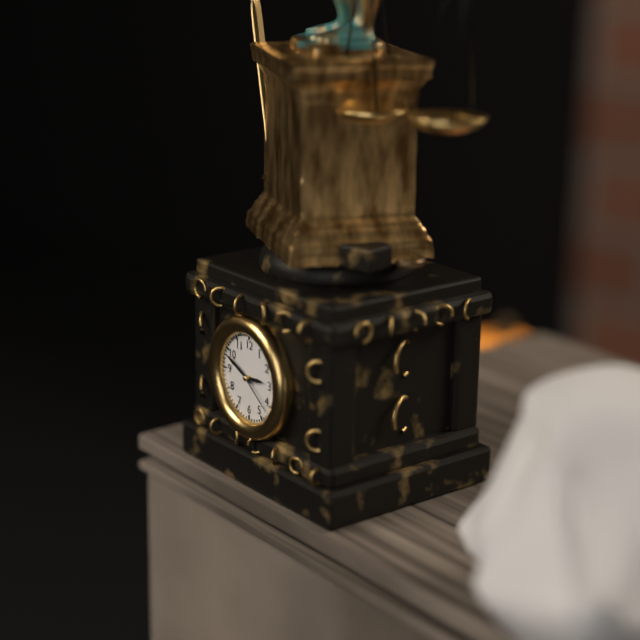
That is 2h49
